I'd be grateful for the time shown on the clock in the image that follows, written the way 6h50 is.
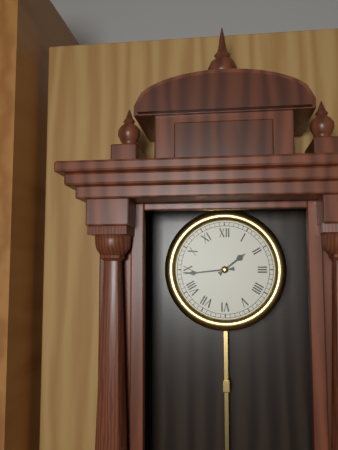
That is 1h44
